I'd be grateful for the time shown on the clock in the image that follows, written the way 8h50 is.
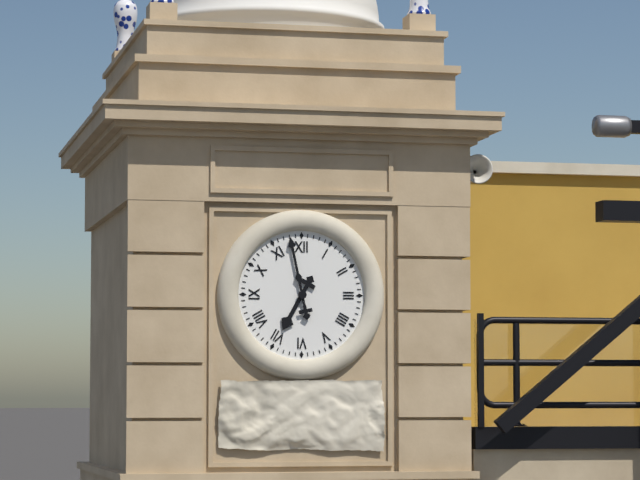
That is 6h58
